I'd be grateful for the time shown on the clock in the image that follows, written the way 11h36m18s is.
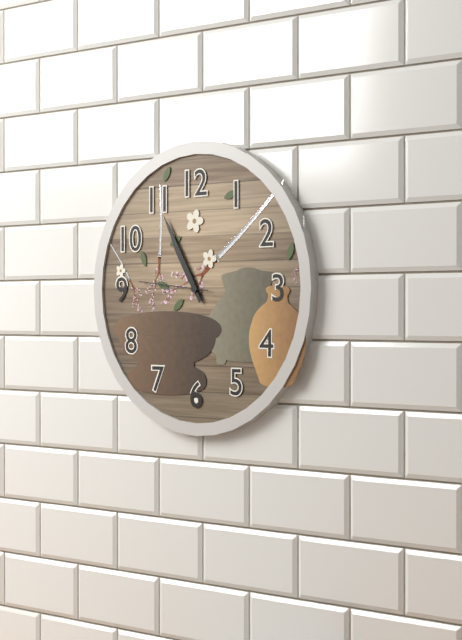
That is 10h55m46s
